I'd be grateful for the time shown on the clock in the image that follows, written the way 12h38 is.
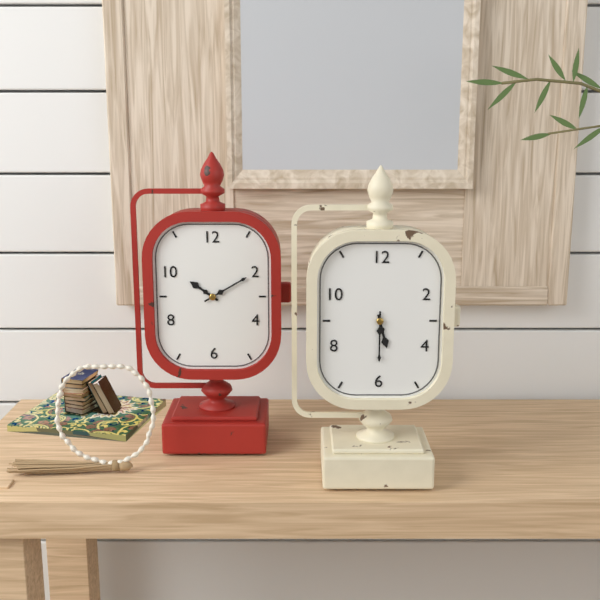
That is 5h30
